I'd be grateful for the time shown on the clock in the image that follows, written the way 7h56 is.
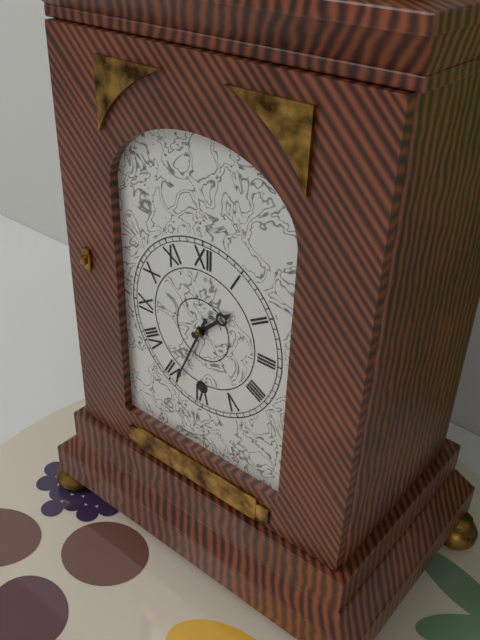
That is 1h34
